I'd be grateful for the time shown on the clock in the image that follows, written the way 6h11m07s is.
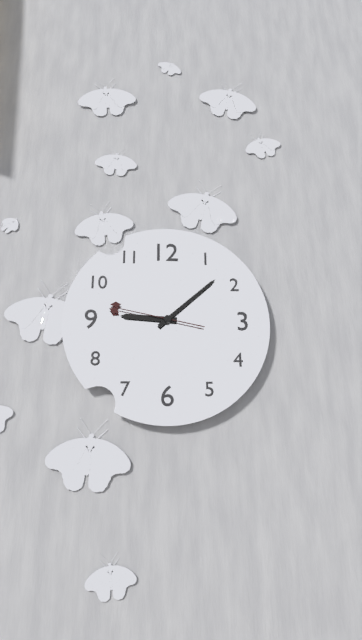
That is 9h08m47s
